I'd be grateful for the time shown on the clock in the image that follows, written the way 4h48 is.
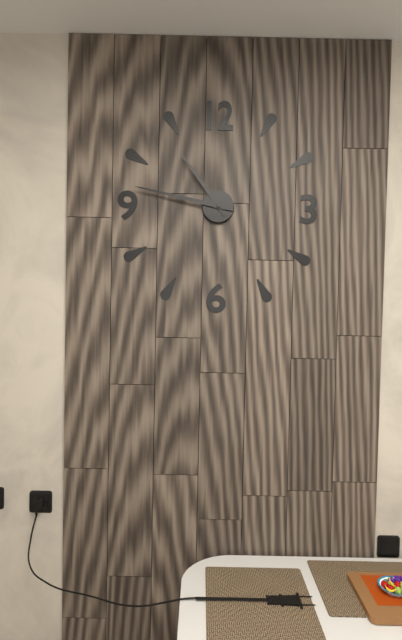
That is 10h47
